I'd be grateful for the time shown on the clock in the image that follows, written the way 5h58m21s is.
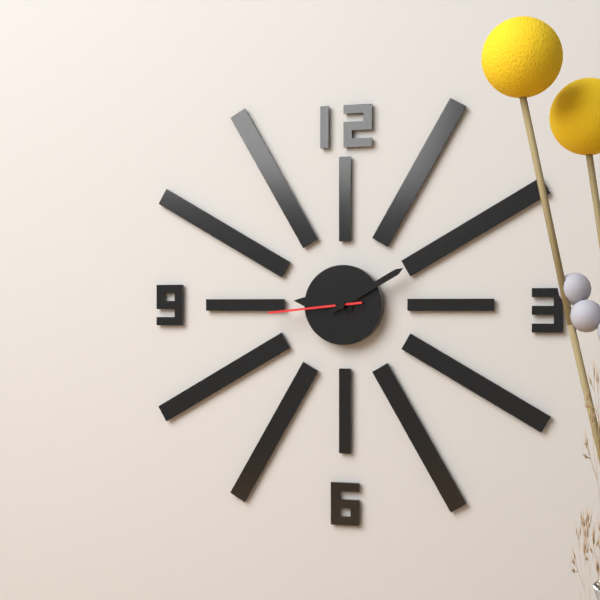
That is 9h10m44s
